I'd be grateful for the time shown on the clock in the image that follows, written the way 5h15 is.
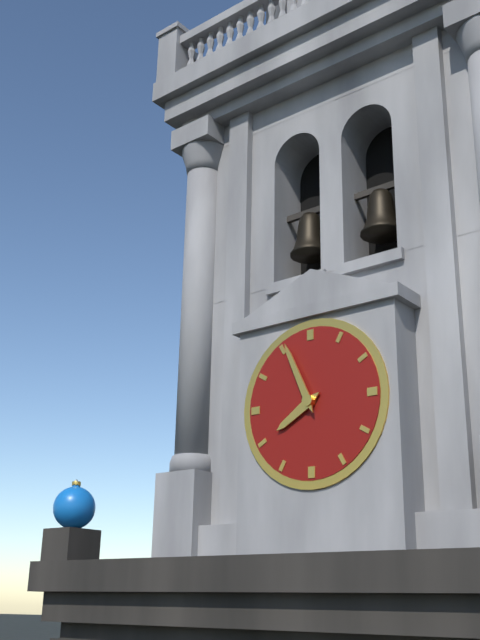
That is 7h56
